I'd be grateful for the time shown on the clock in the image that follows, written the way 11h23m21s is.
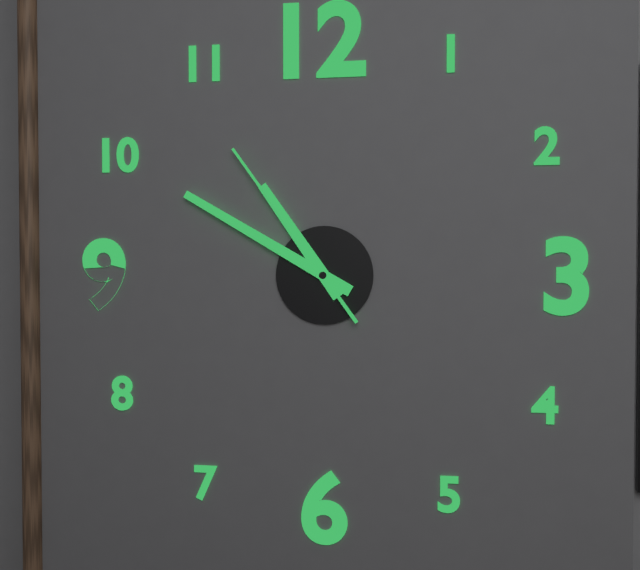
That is 10h50m54s
